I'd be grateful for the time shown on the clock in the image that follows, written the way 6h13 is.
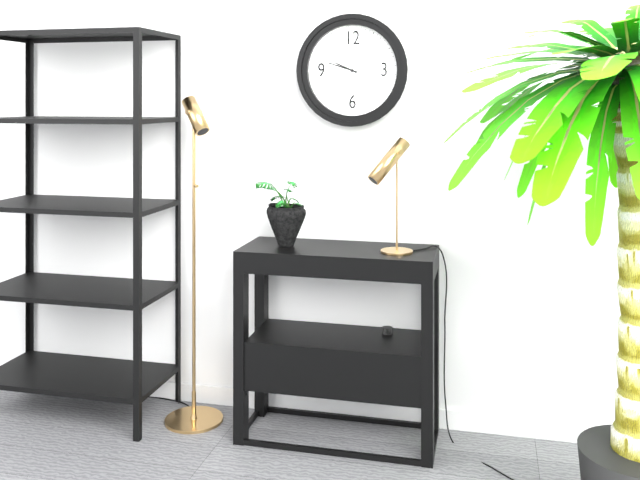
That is 9h48
